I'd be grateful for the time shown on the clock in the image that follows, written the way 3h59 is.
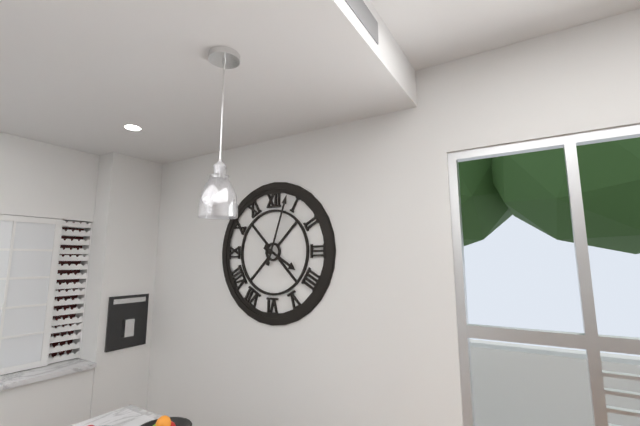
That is 4h03
